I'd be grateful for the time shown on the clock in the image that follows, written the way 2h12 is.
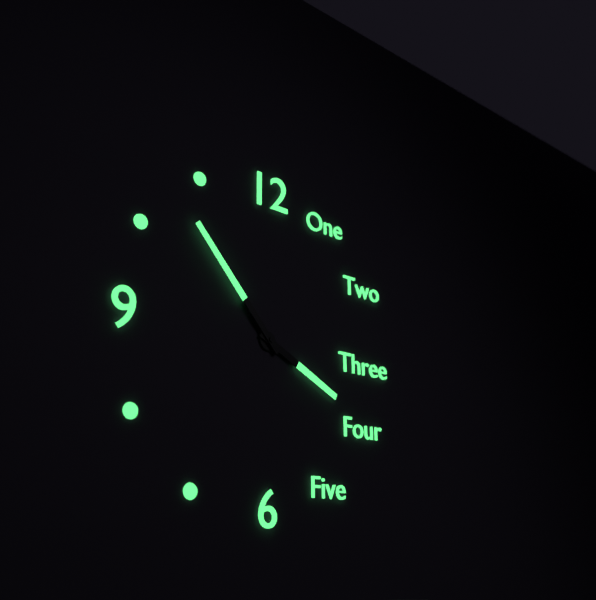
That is 3h53
